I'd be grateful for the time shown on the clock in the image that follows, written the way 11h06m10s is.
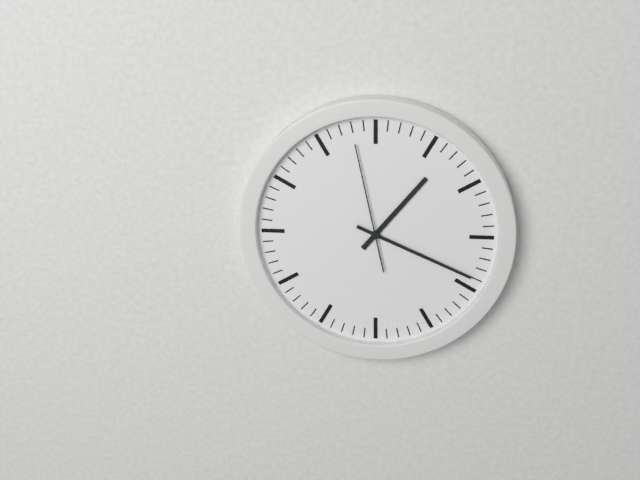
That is 1h19m58s
